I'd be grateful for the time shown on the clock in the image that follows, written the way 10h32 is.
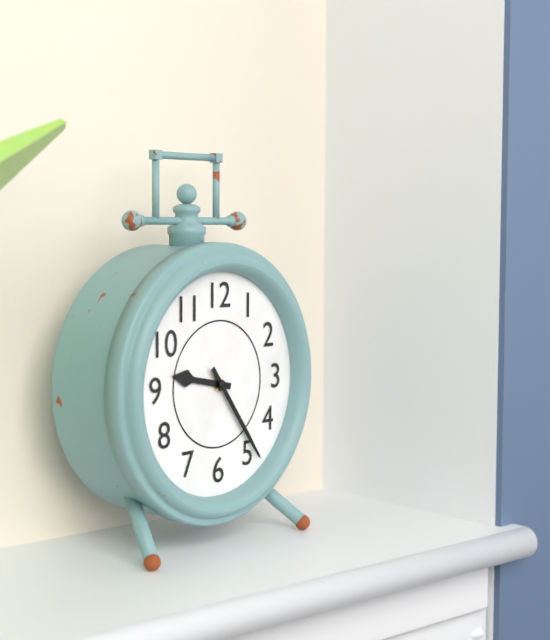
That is 9h24
